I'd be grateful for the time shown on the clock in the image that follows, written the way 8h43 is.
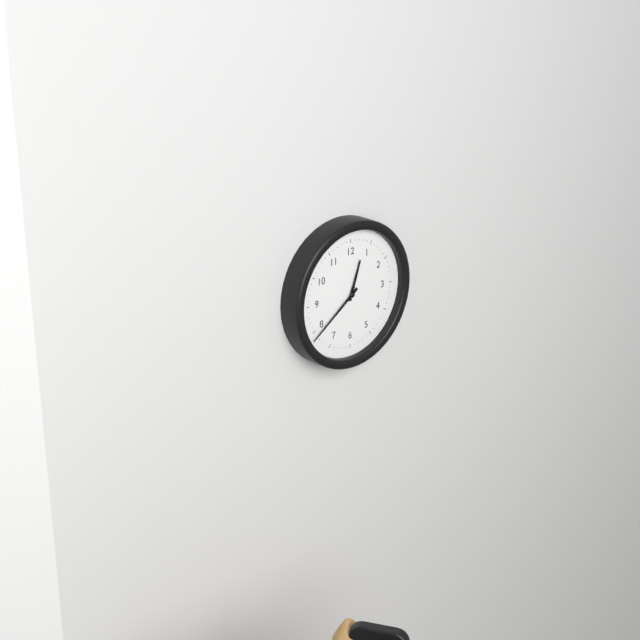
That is 12h39
